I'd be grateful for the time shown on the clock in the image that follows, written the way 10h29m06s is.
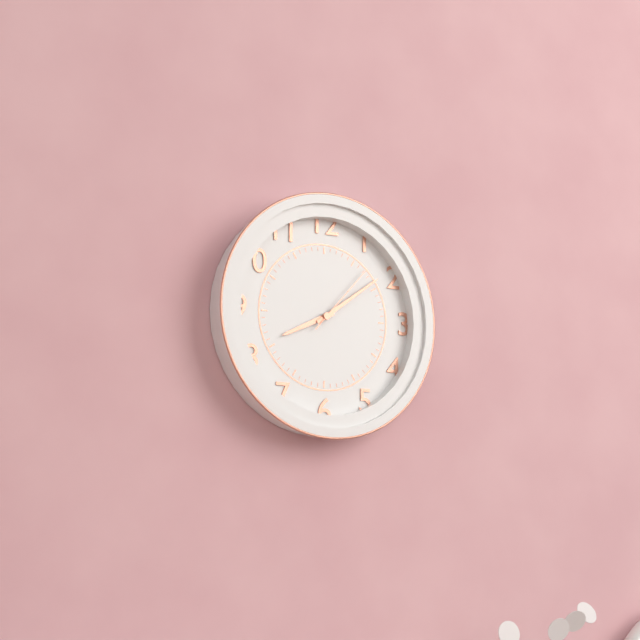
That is 8h09m07s
